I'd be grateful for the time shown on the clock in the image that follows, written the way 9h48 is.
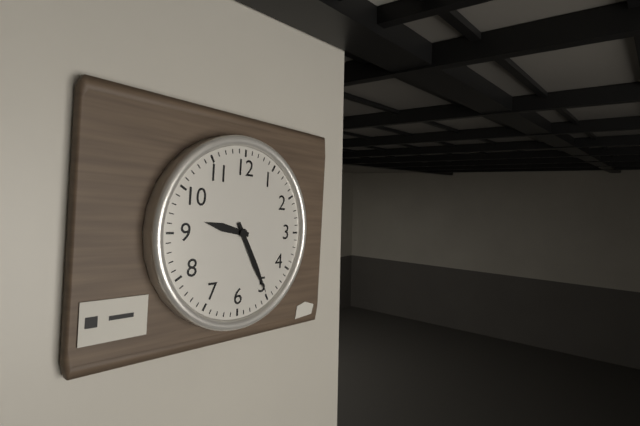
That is 9h25
